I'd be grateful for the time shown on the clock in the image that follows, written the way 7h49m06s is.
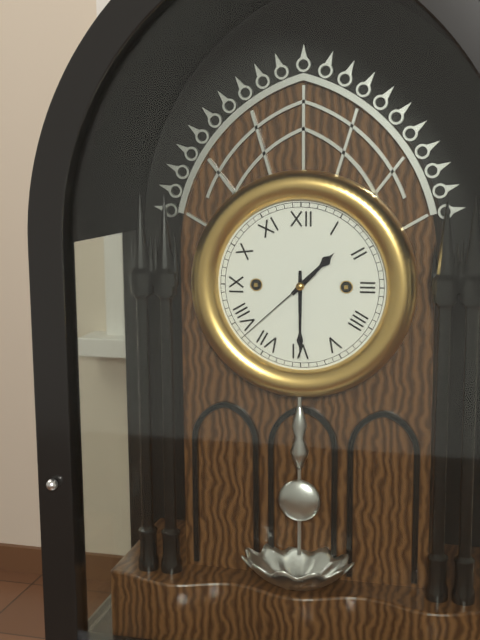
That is 1h30m38s
